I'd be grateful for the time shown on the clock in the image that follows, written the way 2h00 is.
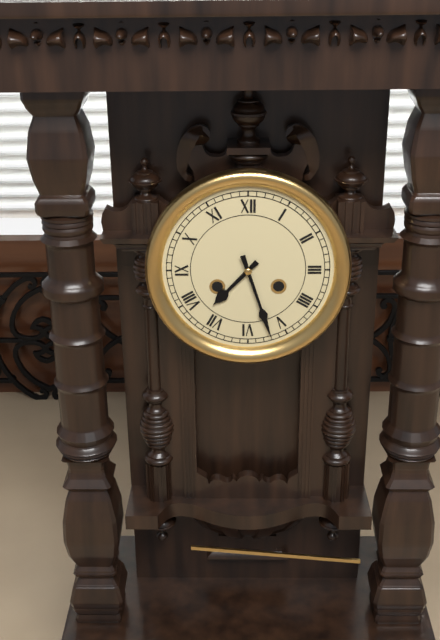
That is 7h27
